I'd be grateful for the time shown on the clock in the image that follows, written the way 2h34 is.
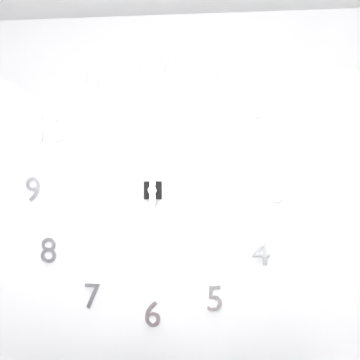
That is 12h00
